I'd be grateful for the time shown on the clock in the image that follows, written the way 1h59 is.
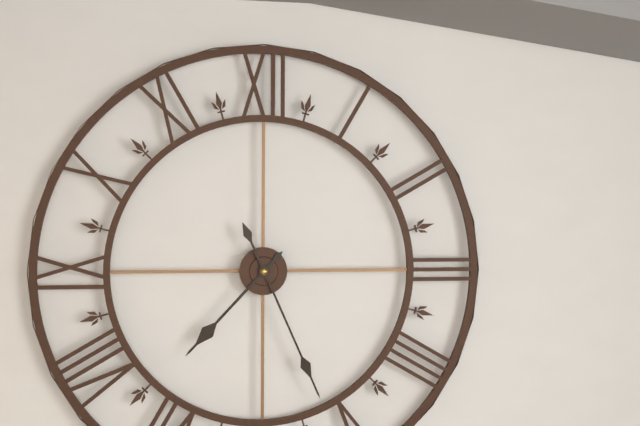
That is 7h26
